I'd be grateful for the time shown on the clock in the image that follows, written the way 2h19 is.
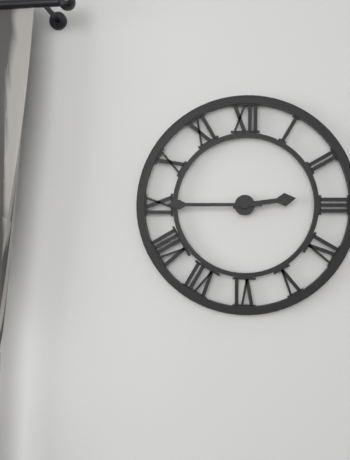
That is 2h45
